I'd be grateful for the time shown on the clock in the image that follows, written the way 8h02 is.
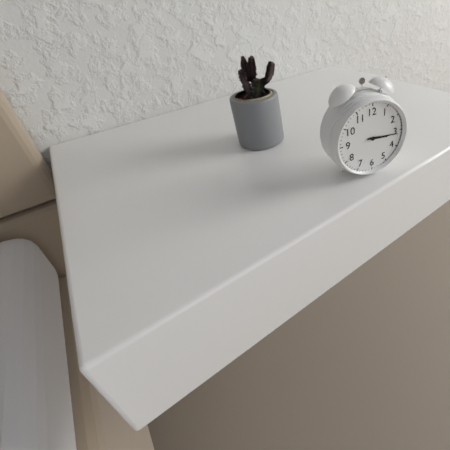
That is 3h16
